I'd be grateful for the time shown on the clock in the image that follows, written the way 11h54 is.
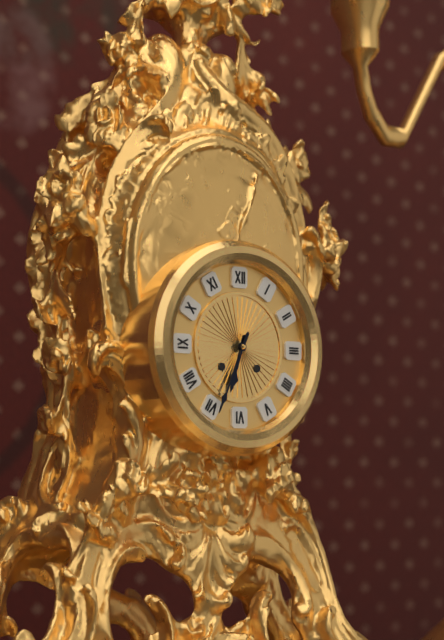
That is 6h34
